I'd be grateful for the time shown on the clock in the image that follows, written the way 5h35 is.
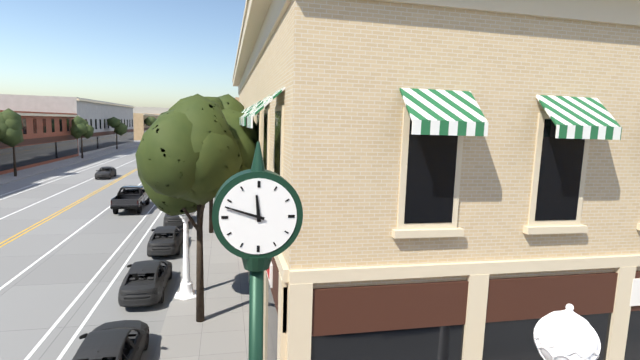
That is 11h48
